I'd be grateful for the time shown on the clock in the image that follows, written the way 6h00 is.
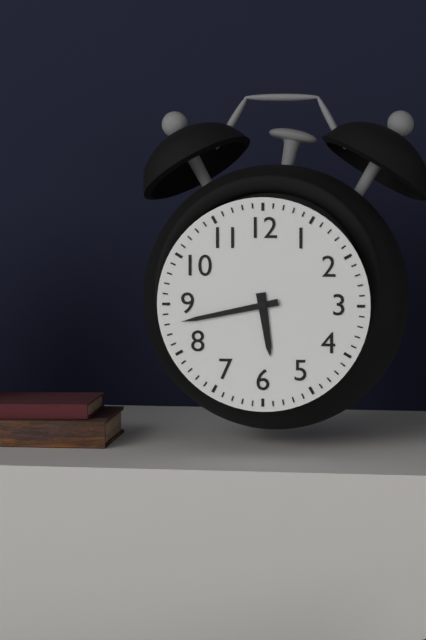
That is 5h43
